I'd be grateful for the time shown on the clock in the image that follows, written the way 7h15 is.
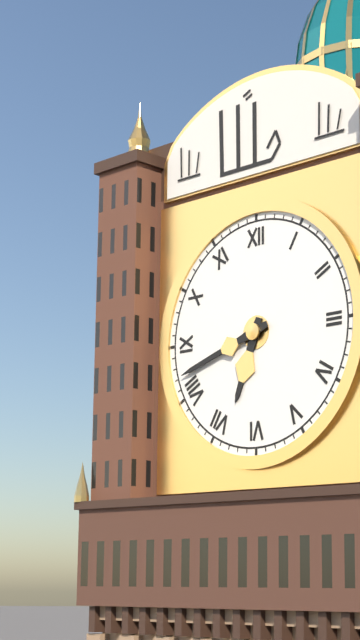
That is 6h42
